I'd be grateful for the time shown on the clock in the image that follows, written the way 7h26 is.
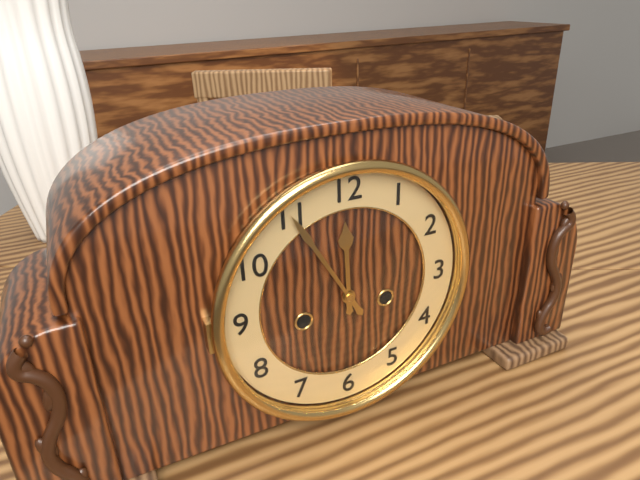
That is 11h55
